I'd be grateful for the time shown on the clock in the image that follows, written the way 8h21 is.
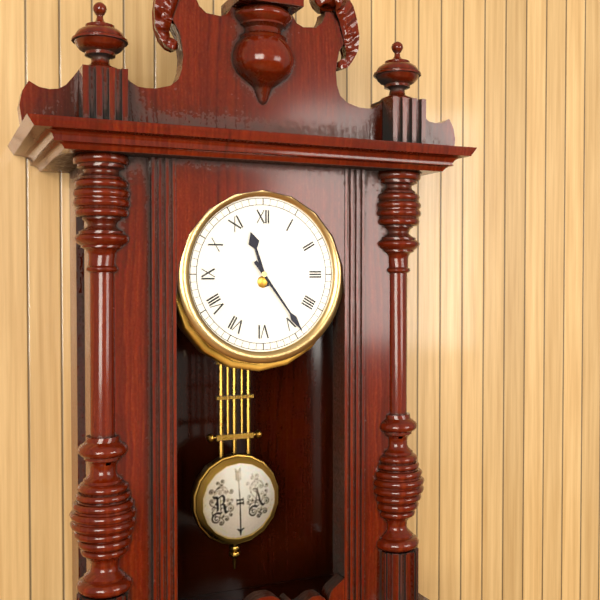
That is 11h24
